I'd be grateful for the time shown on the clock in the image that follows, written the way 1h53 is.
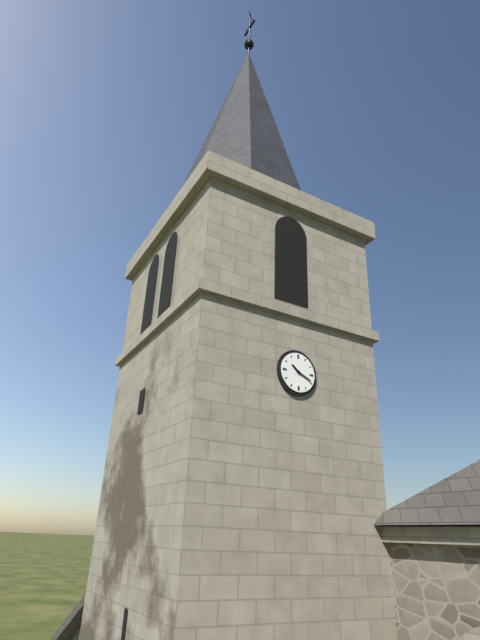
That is 10h19
